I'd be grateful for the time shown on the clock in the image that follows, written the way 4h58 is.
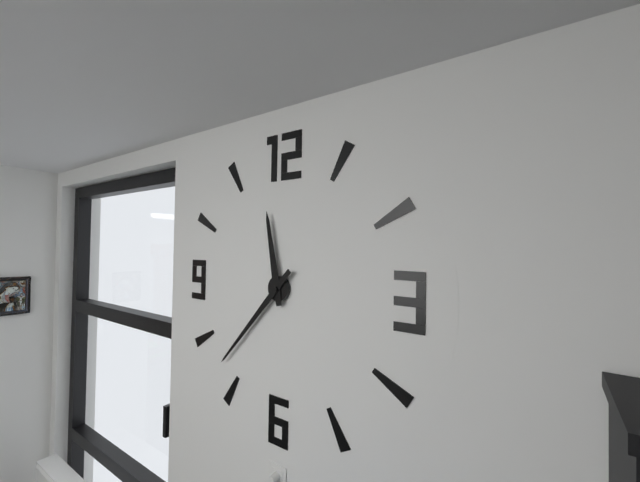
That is 11h37
